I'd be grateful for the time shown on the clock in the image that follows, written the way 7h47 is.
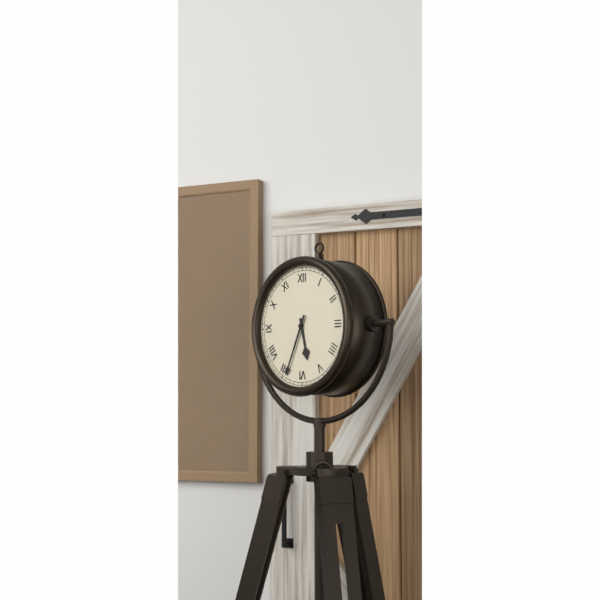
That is 5h34
